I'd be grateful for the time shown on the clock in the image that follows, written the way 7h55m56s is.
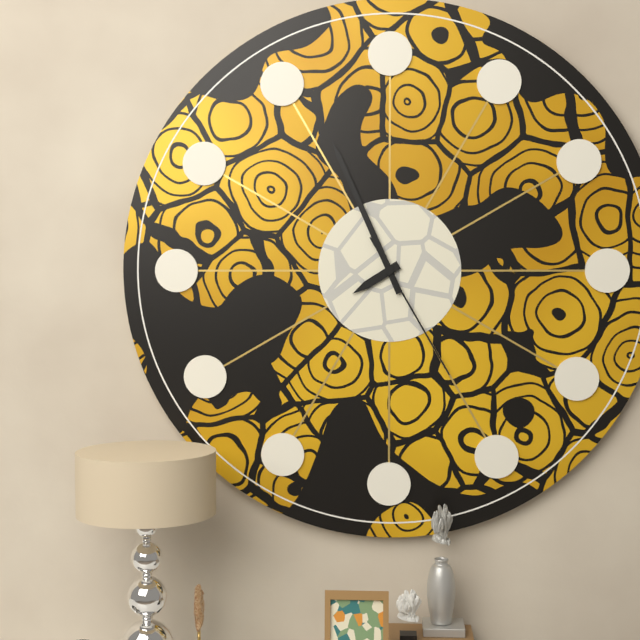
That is 7h56m25s
